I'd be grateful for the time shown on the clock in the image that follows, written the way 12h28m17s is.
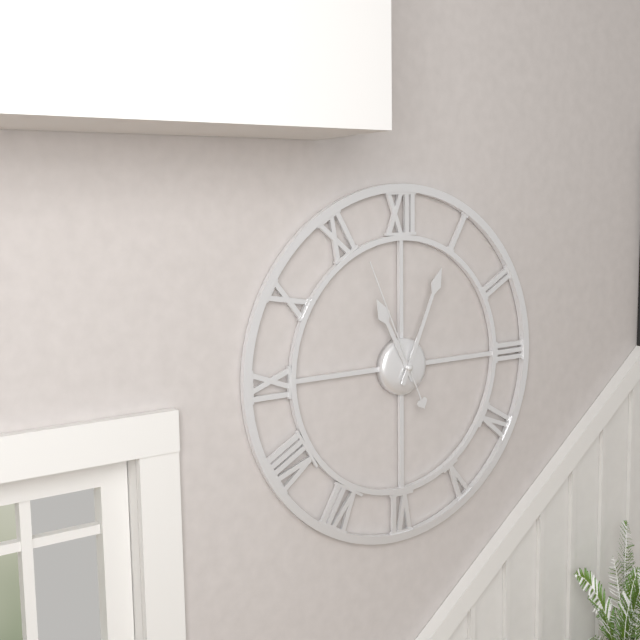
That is 11h04m56s
